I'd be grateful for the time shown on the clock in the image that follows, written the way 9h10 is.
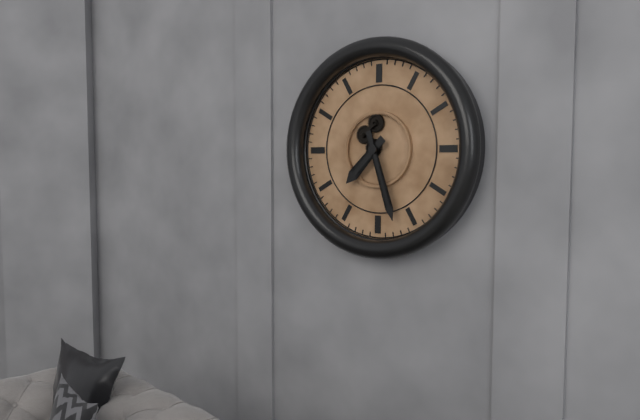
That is 7h27
